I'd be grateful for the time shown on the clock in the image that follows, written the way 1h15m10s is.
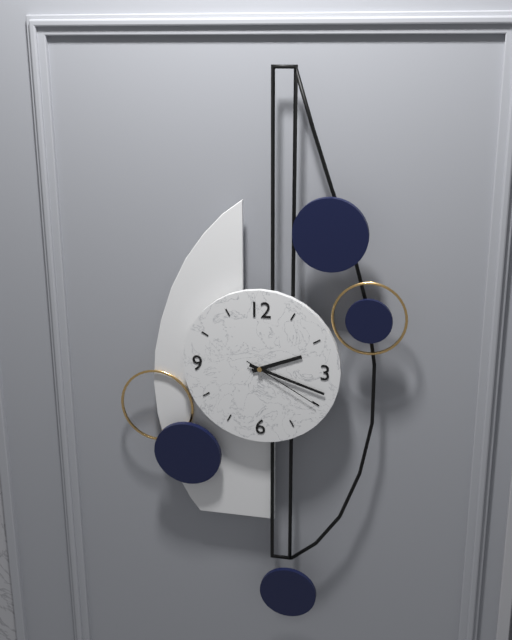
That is 2h18m20s
